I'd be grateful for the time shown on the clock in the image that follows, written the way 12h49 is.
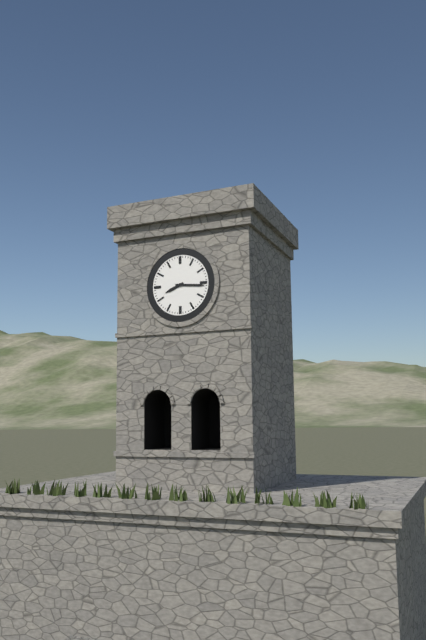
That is 8h16
